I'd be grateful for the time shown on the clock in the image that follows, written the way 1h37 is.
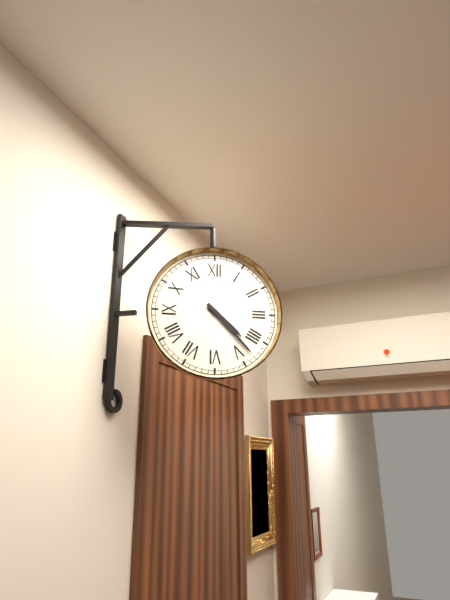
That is 4h23
